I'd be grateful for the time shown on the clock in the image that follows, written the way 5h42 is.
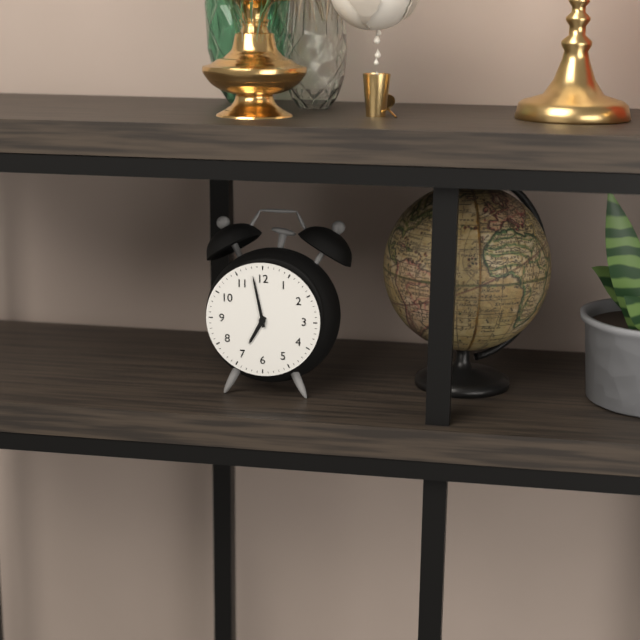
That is 6h58
